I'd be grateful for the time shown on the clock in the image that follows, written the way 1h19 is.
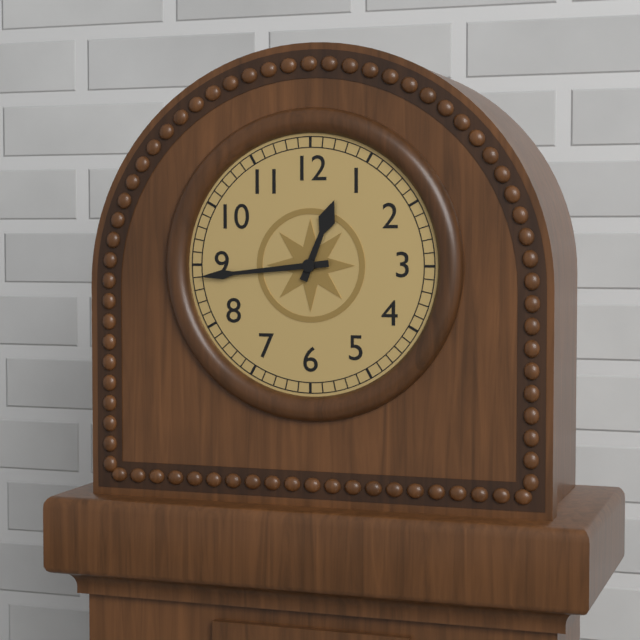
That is 12h44
